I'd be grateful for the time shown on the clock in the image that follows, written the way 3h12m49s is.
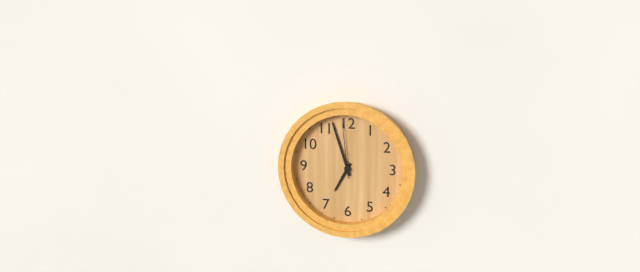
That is 6h57m59s
